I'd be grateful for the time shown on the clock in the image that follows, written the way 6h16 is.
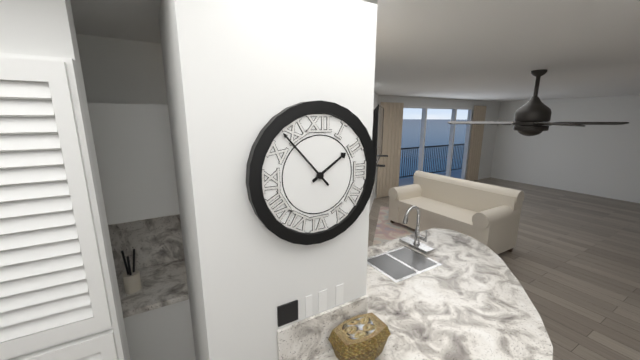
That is 1h53
